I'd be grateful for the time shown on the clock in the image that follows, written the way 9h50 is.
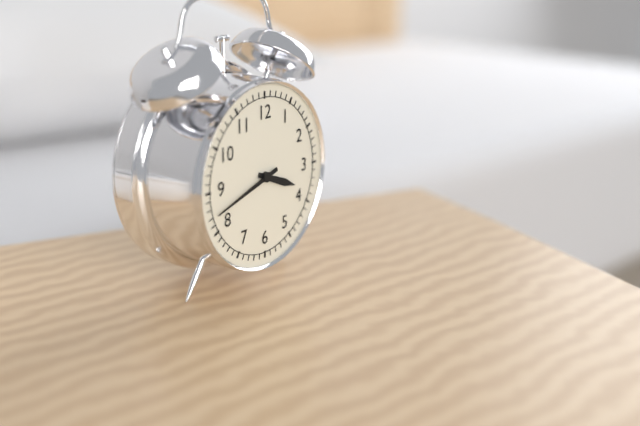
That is 3h42
